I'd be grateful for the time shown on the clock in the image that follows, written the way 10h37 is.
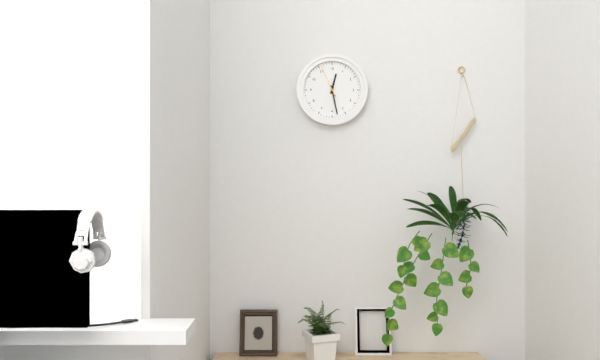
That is 12h28
